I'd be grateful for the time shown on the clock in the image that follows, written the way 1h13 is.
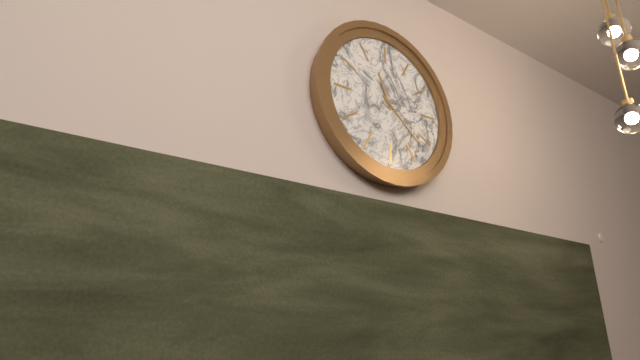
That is 11h22
